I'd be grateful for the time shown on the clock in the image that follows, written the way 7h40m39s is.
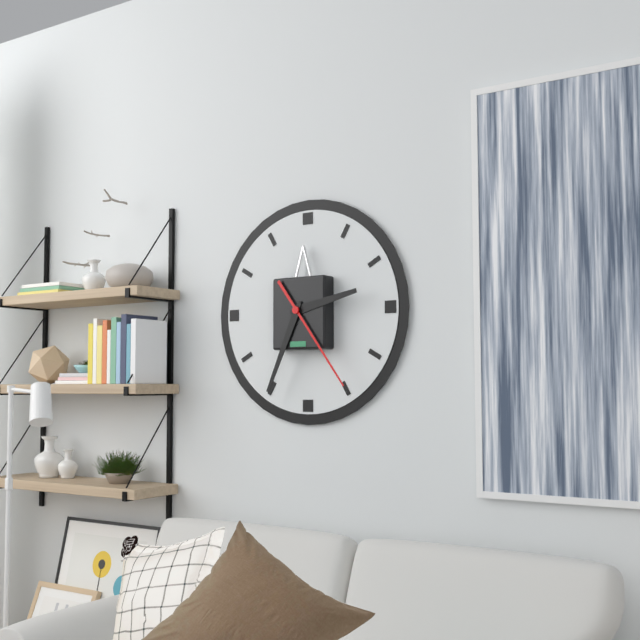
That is 2h34m24s
